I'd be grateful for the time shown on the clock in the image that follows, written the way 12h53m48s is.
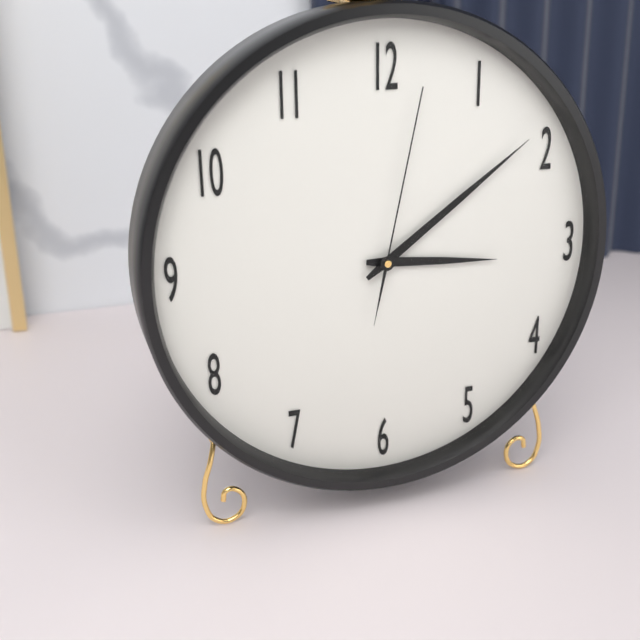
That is 3h09m02s
